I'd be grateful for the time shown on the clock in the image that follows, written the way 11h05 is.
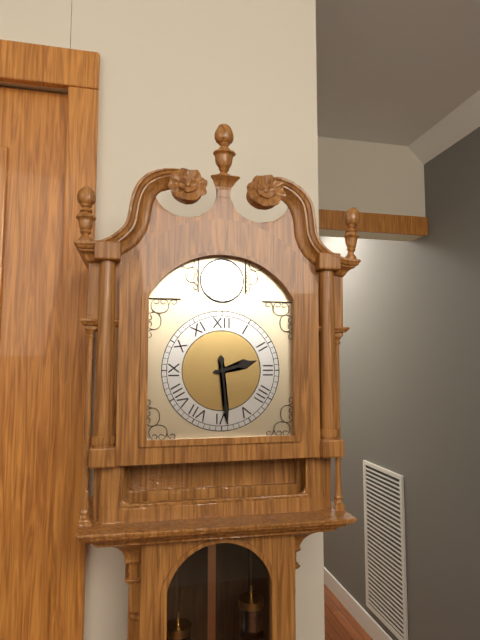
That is 2h29
